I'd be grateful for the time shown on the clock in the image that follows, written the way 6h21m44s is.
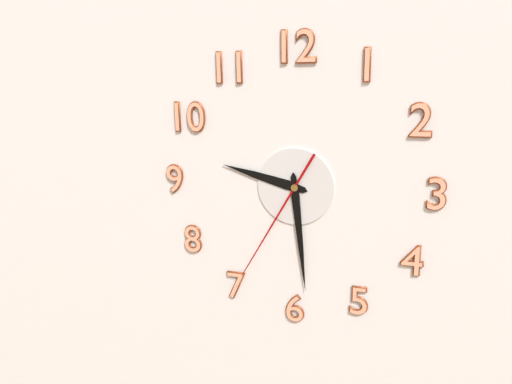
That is 9h29m35s
